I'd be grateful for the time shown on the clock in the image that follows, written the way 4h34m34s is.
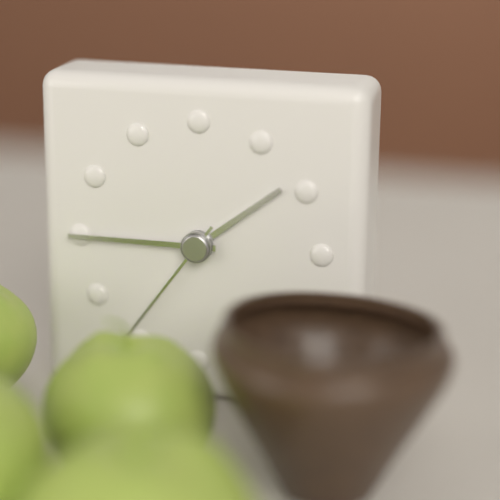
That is 1h45m36s
